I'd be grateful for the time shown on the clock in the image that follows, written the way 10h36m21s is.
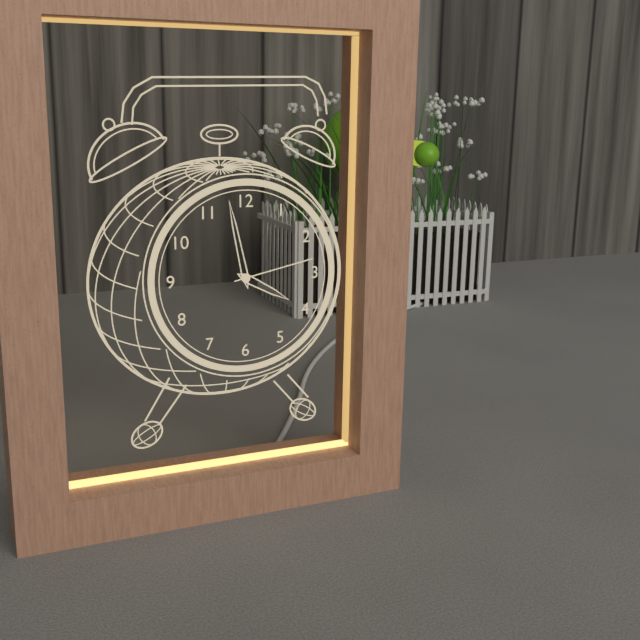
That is 3h58m13s
